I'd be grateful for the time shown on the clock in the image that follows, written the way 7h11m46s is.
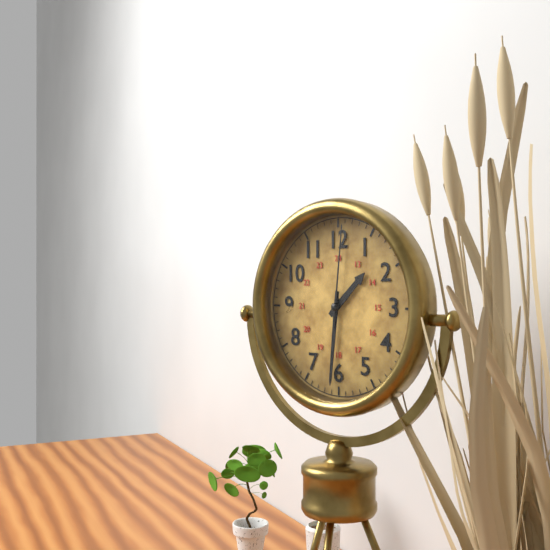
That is 1h31m01s
